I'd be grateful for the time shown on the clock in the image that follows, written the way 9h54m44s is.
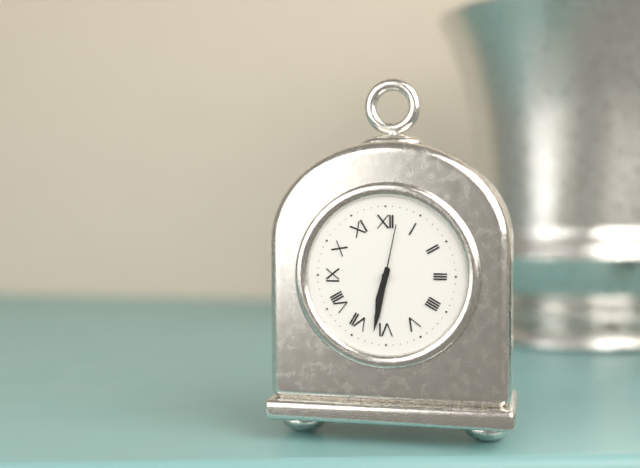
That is 6h32m02s
